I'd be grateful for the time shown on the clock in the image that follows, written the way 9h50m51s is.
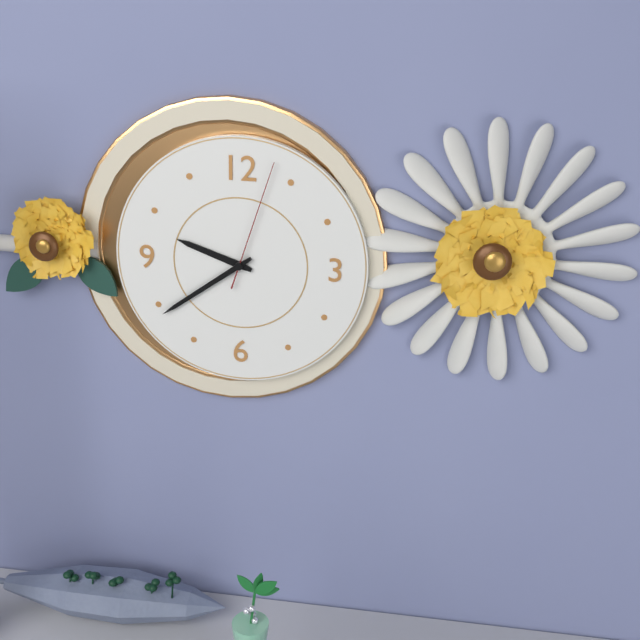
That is 9h39m03s
